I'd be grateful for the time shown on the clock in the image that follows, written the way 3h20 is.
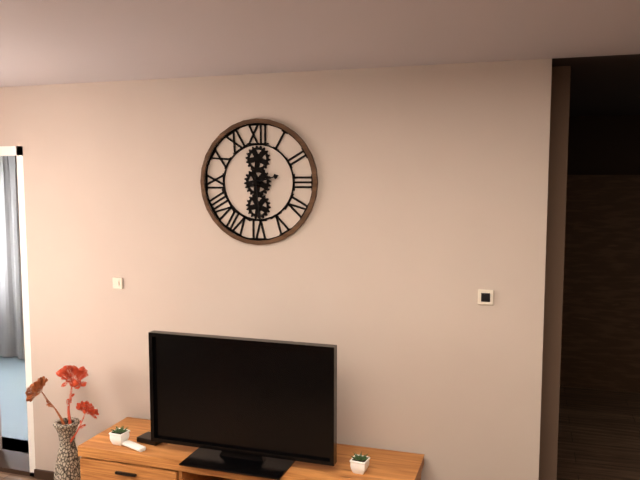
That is 2h29
